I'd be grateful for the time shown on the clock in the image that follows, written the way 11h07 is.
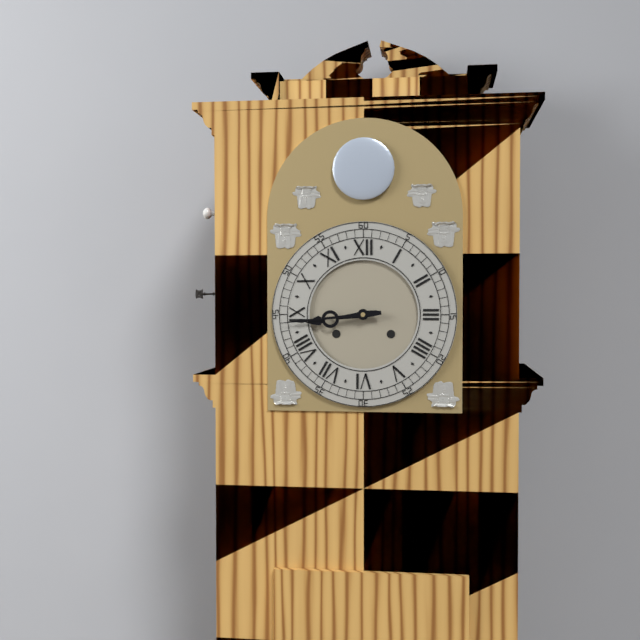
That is 8h44
